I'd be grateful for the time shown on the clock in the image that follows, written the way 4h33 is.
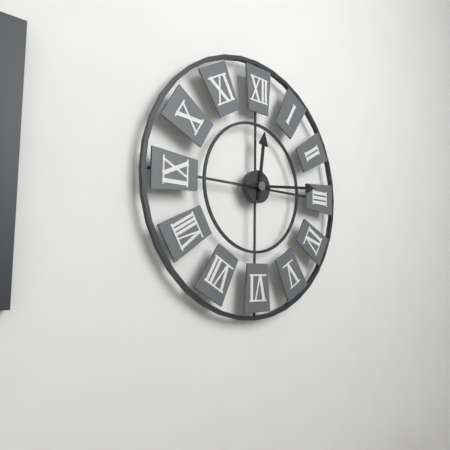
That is 12h14
